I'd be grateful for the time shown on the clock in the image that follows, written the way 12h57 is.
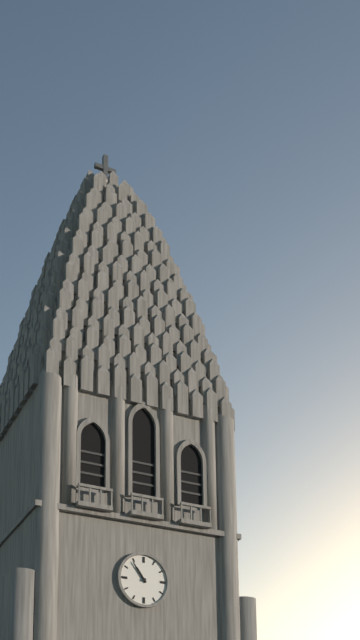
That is 10h54
